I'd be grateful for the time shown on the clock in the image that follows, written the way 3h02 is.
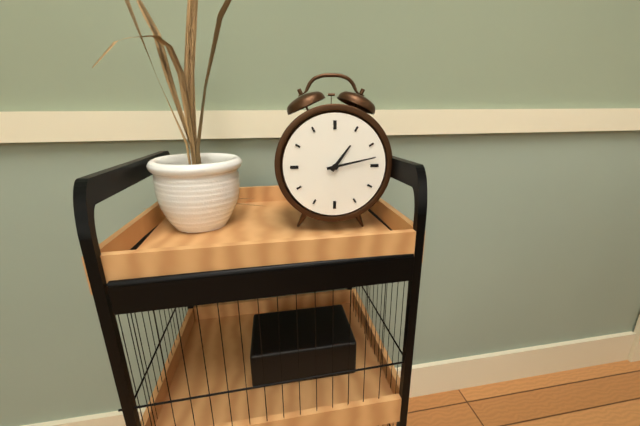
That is 1h13
